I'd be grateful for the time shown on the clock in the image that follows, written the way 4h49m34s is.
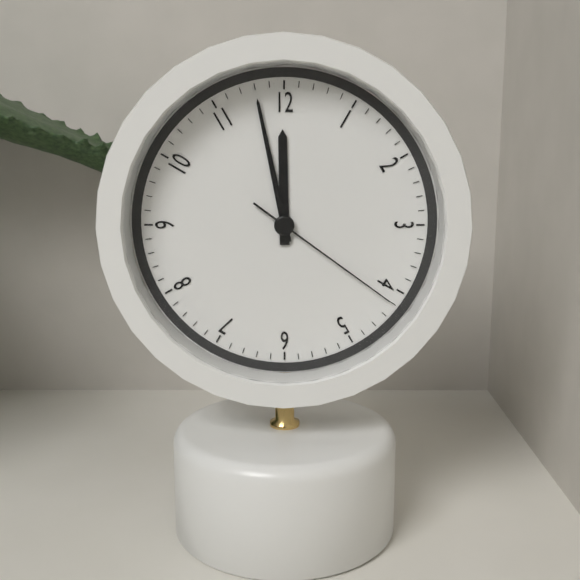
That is 11h58m21s
